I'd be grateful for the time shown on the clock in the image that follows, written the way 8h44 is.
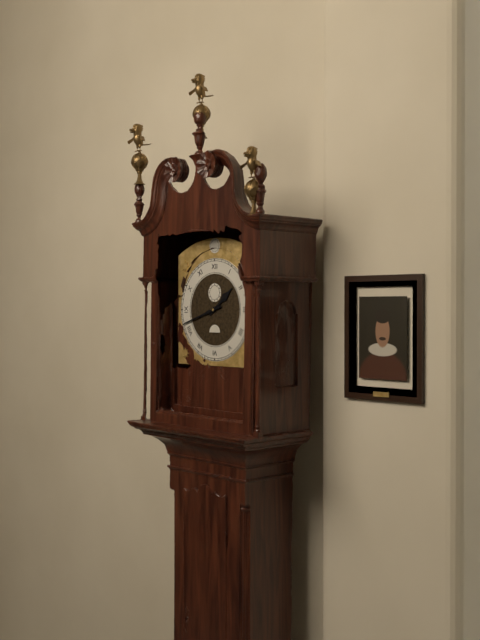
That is 1h42
